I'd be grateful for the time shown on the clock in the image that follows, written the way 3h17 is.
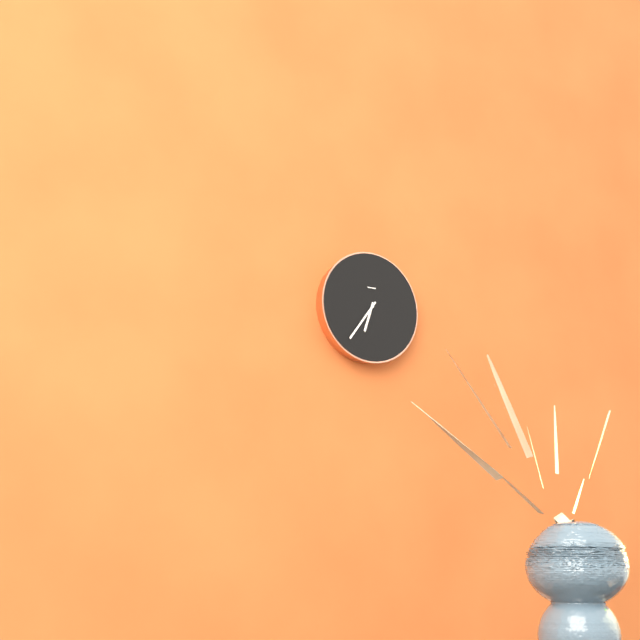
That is 6h36
